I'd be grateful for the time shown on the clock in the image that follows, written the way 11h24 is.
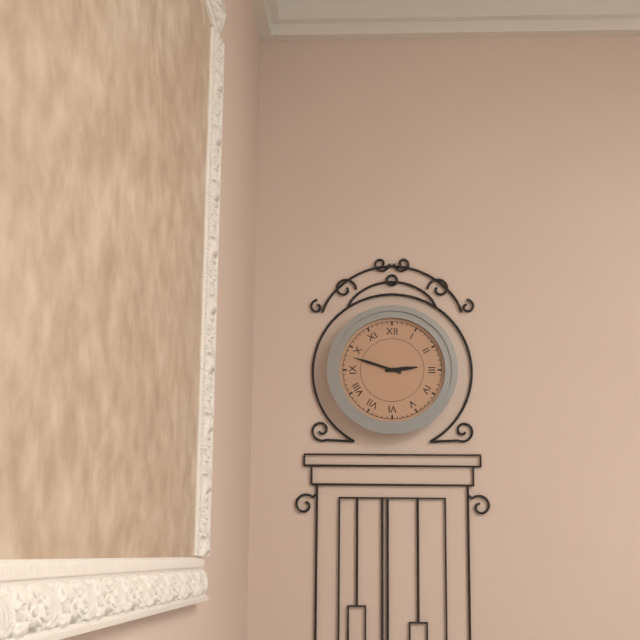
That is 2h48
